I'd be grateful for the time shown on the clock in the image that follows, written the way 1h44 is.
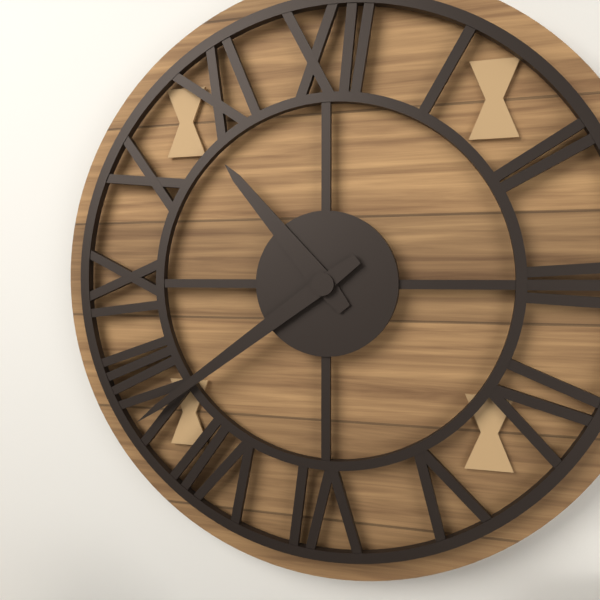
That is 10h39
